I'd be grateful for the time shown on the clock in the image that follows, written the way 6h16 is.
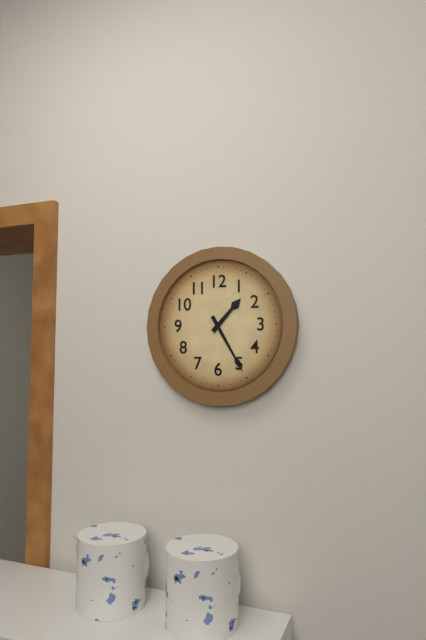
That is 1h25
